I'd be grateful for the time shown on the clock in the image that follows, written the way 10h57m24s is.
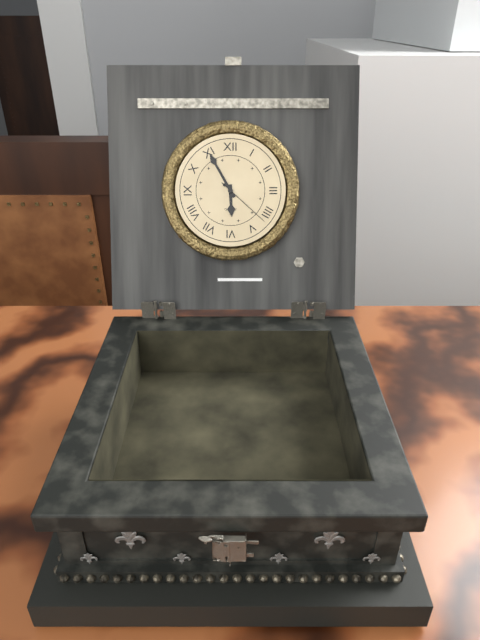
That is 5h55m22s
